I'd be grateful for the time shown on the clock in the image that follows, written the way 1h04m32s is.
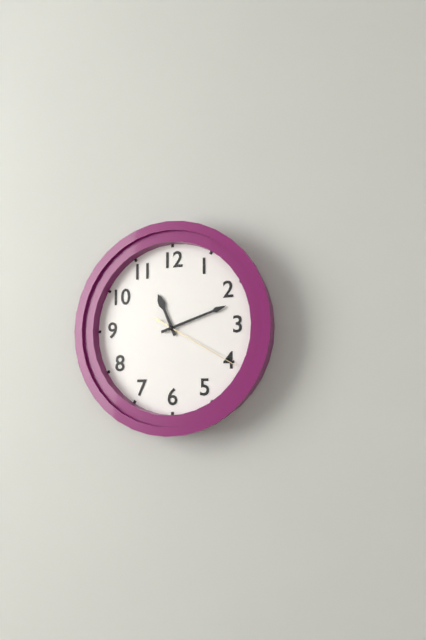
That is 11h12m20s
